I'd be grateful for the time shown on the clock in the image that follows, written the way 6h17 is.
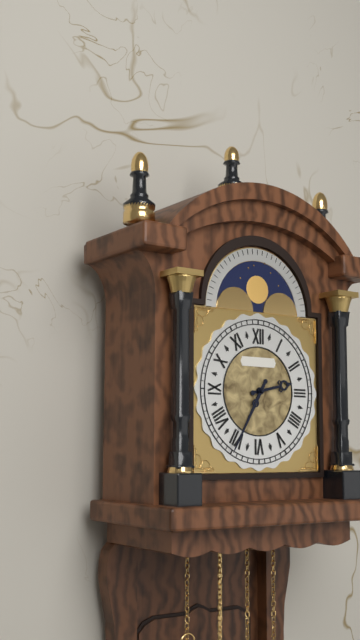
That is 2h35
